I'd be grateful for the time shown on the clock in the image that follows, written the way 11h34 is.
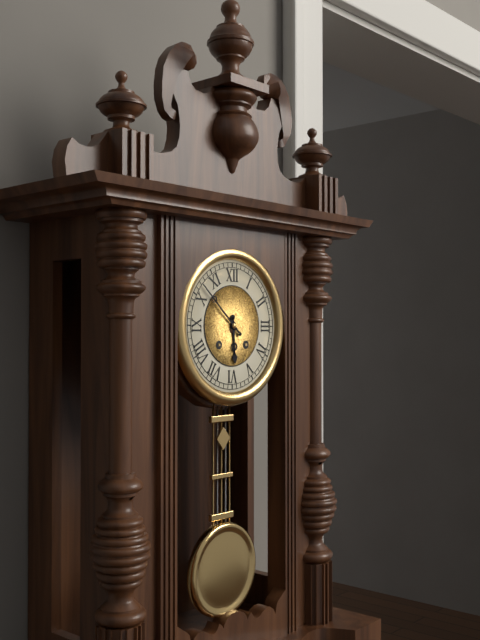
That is 5h52
